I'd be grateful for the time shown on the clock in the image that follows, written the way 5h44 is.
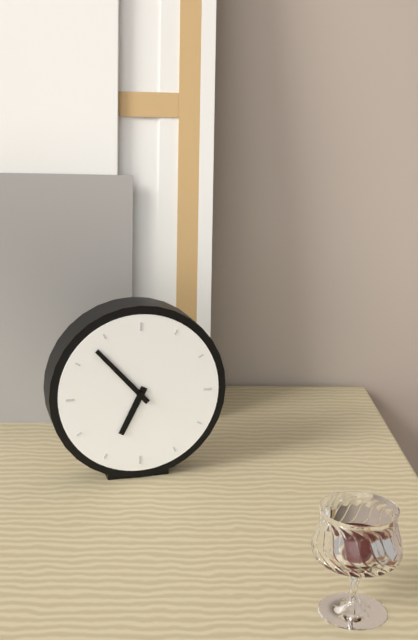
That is 6h53
